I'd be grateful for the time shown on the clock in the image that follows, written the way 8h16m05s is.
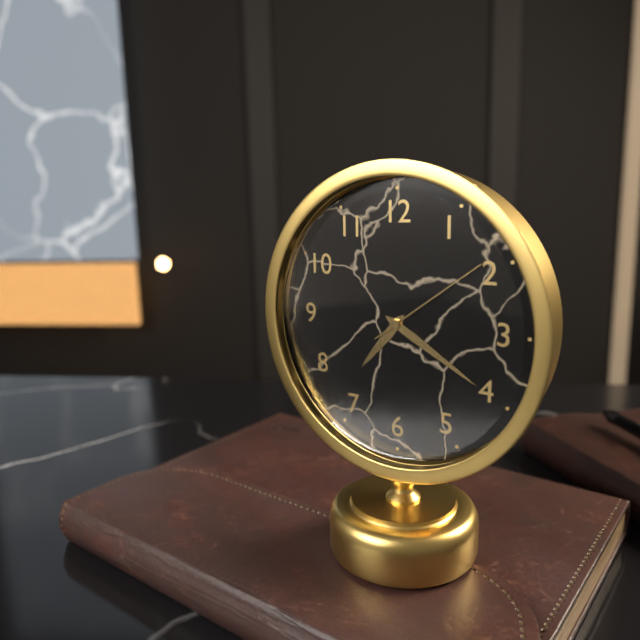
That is 7h20m09s
